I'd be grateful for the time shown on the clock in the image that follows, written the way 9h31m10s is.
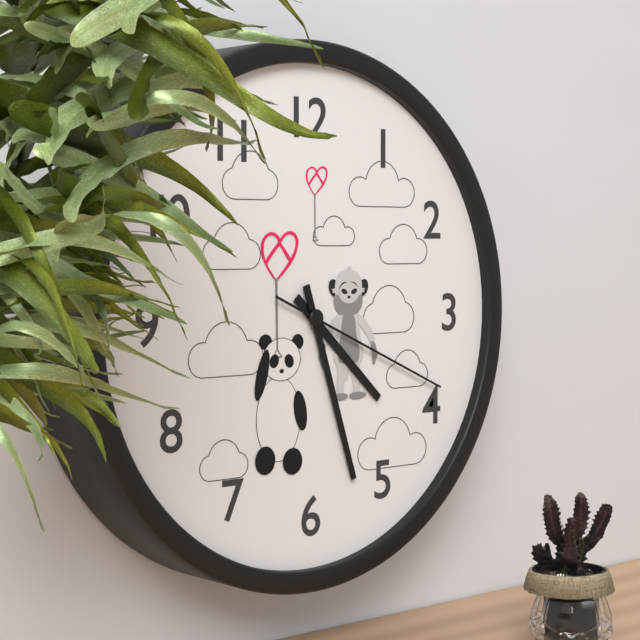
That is 4h27m19s
